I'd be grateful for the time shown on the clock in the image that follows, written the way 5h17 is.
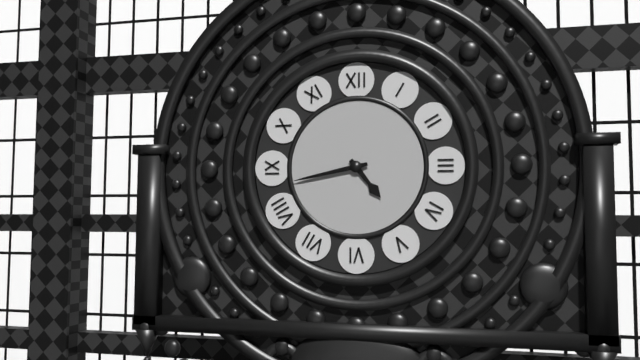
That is 4h43
